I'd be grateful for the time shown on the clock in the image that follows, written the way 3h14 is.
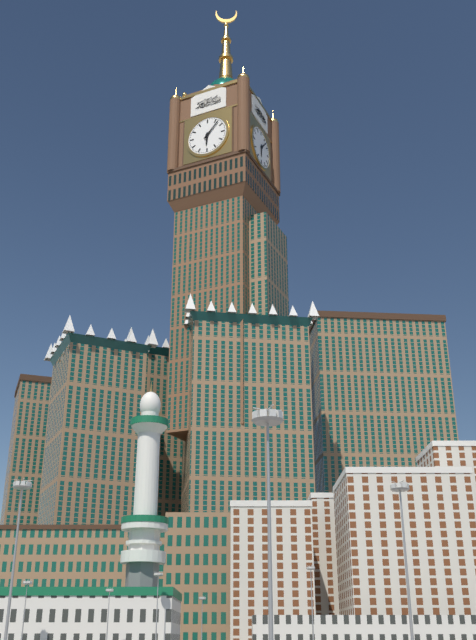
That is 6h07
